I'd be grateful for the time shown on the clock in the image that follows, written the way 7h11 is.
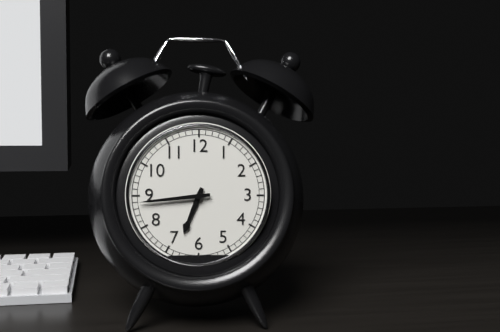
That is 6h44
